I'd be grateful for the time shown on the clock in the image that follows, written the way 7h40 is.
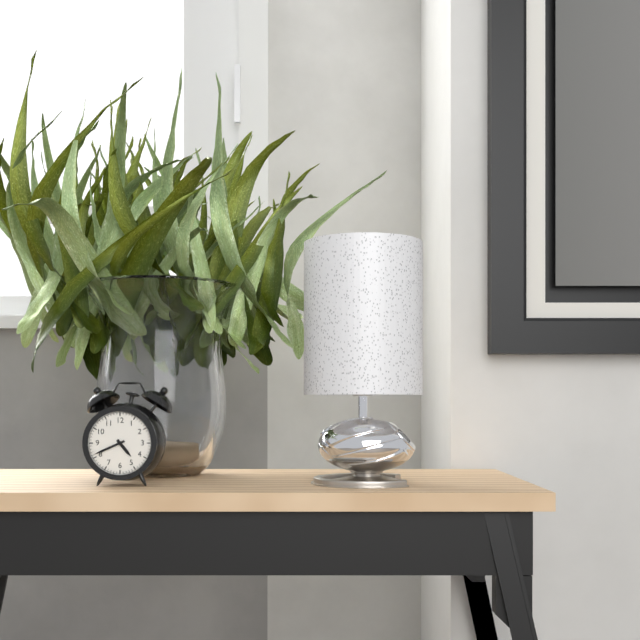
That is 4h41
